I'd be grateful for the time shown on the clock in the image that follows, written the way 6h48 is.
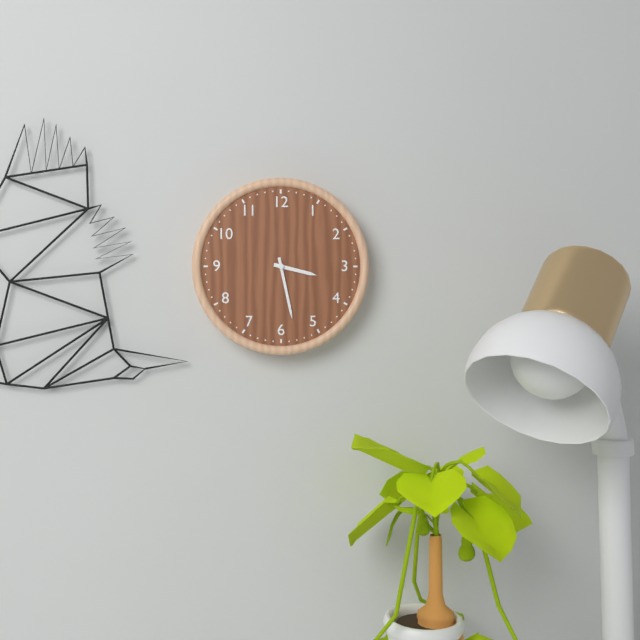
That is 3h28
